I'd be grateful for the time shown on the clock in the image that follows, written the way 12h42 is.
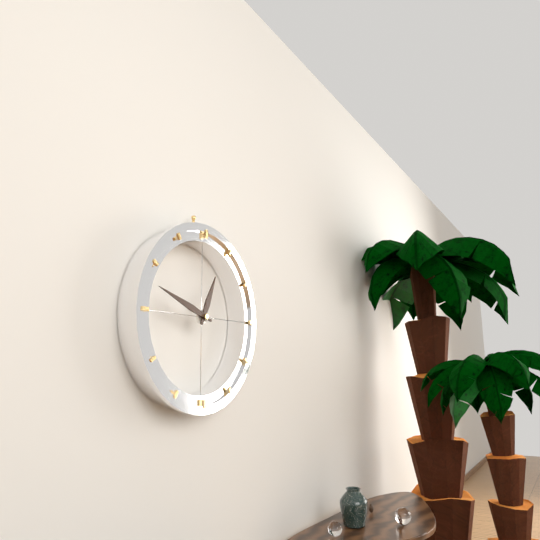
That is 12h48
